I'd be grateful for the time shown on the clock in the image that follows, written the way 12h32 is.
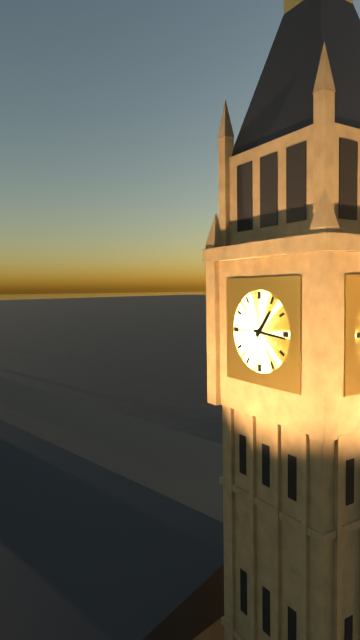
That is 1h16
